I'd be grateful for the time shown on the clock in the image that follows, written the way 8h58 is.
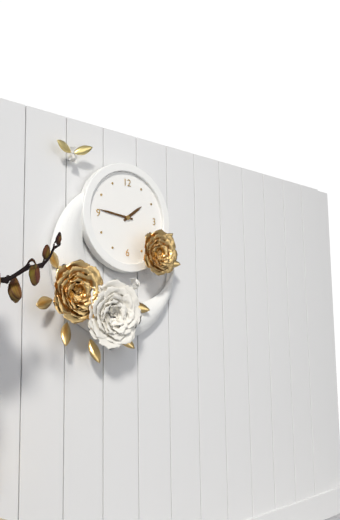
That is 1h46
